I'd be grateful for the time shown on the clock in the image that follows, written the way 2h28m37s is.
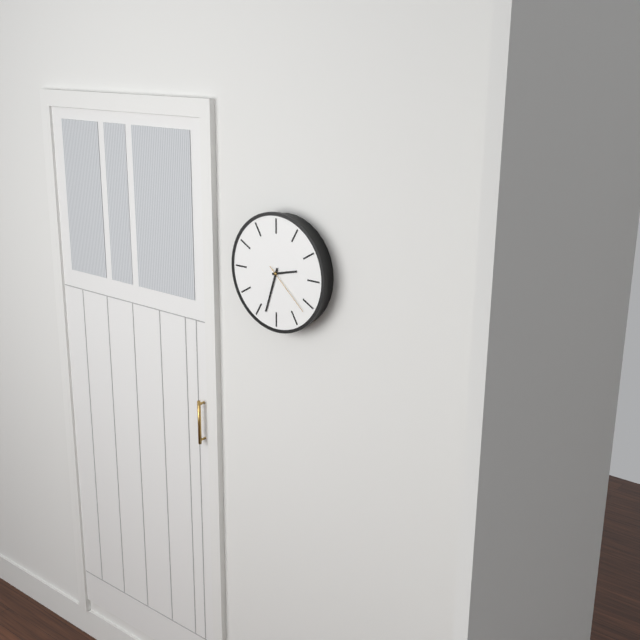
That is 2h33m22s
